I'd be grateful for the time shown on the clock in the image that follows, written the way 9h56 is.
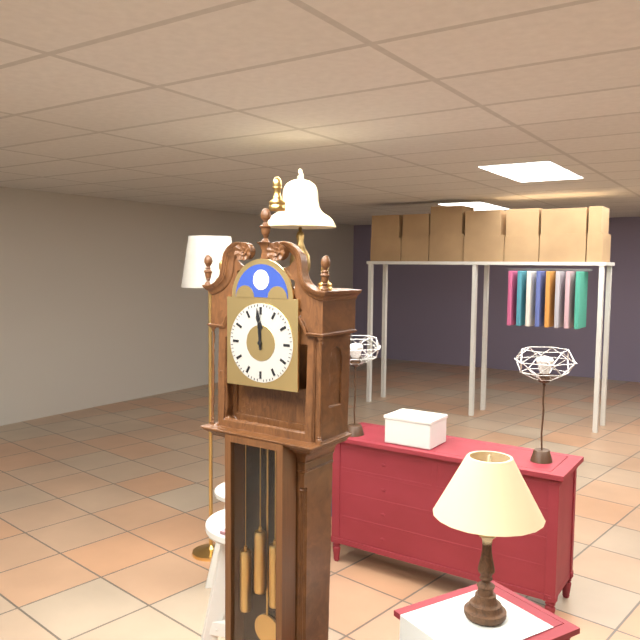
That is 11h59
